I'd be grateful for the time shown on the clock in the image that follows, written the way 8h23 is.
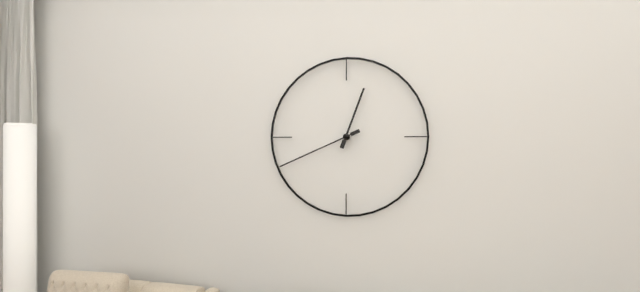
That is 12h41
